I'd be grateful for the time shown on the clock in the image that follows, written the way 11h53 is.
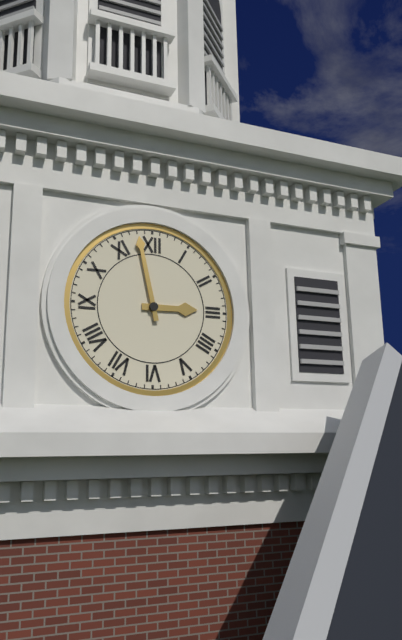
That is 2h58
